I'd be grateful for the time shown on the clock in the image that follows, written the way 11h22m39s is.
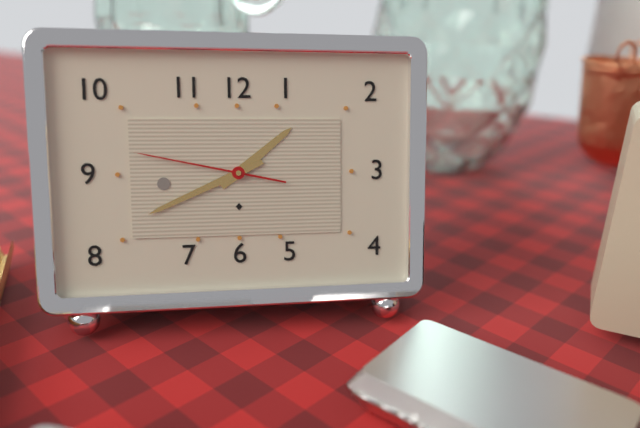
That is 1h41m47s
